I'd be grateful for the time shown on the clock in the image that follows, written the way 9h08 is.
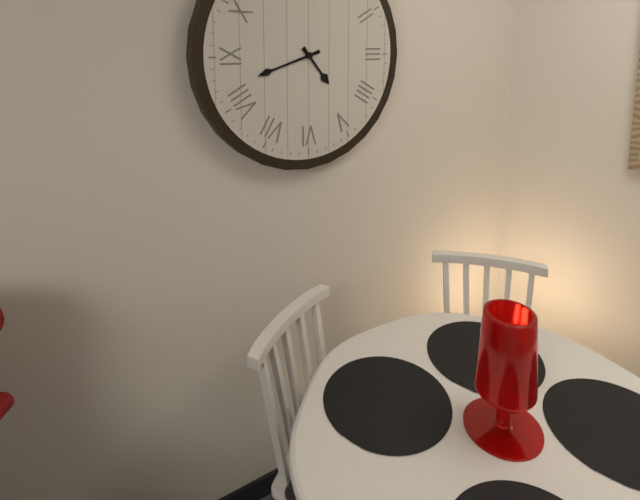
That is 4h42
